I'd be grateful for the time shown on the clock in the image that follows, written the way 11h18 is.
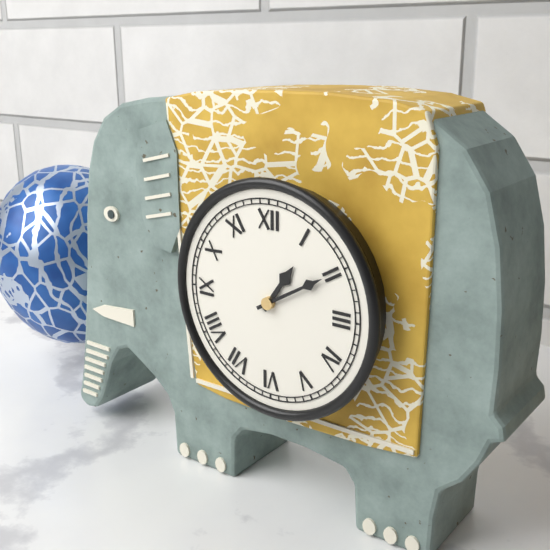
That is 1h10
